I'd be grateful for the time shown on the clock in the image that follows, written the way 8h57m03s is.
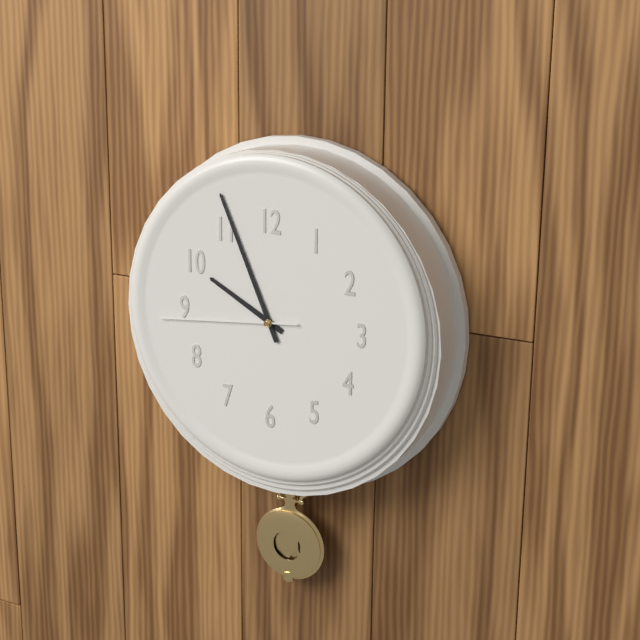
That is 9h56m44s
